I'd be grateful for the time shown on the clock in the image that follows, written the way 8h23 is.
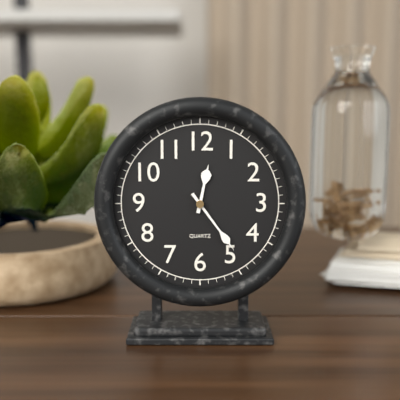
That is 12h24
